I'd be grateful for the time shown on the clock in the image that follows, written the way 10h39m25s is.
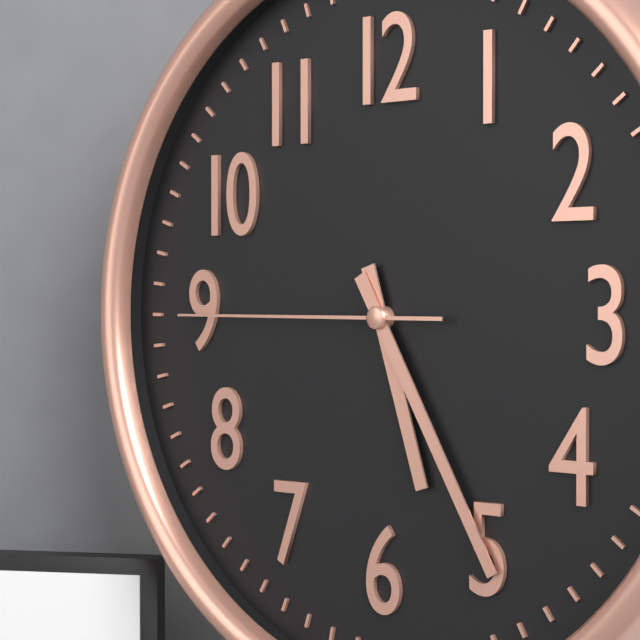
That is 5h25m45s
